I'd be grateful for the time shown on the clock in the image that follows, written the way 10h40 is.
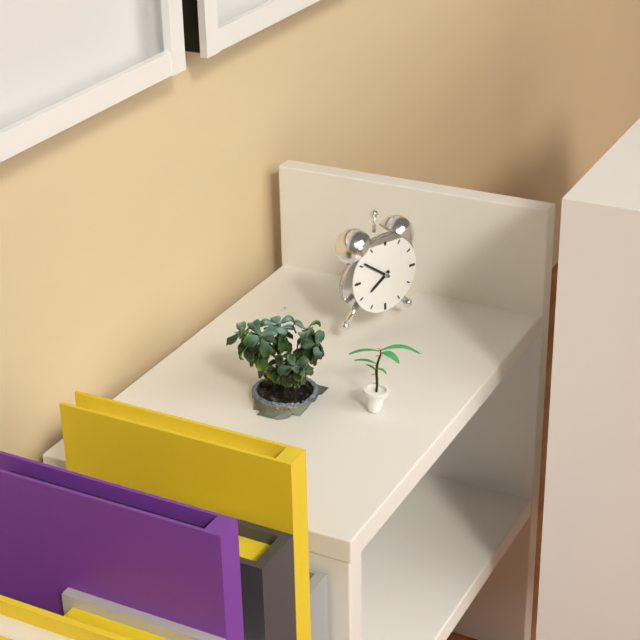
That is 7h51
